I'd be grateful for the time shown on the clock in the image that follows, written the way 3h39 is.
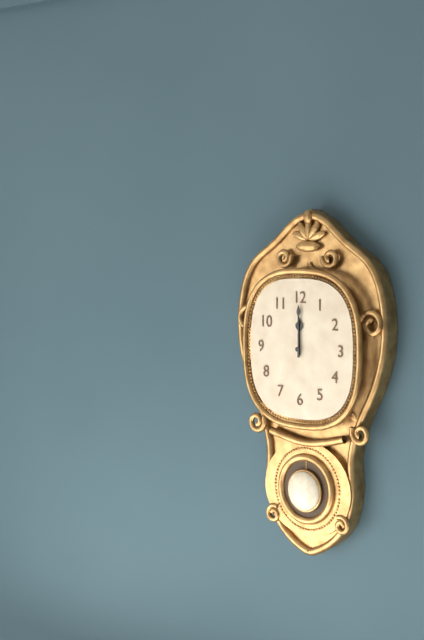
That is 12h00
